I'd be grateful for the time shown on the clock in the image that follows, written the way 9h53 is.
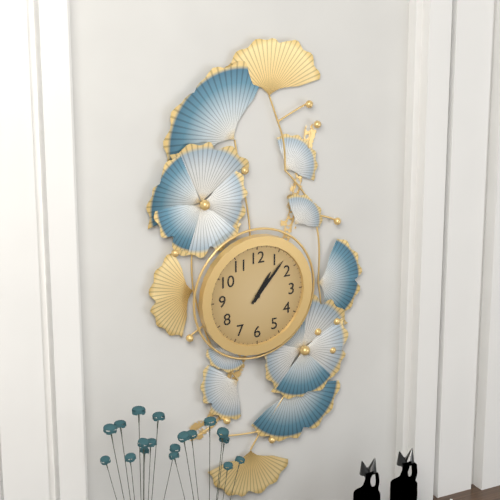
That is 1h07
